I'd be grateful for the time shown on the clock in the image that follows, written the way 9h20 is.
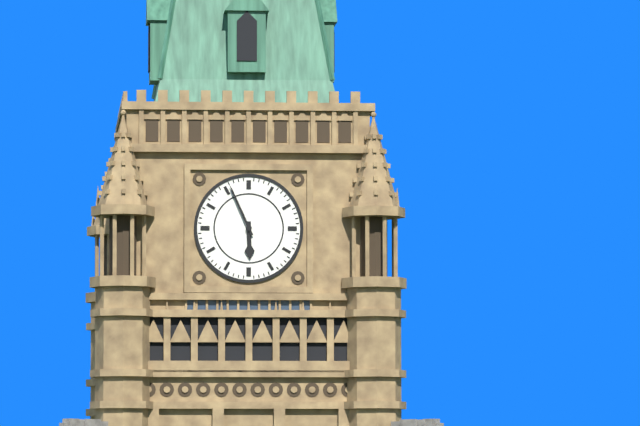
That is 5h56
